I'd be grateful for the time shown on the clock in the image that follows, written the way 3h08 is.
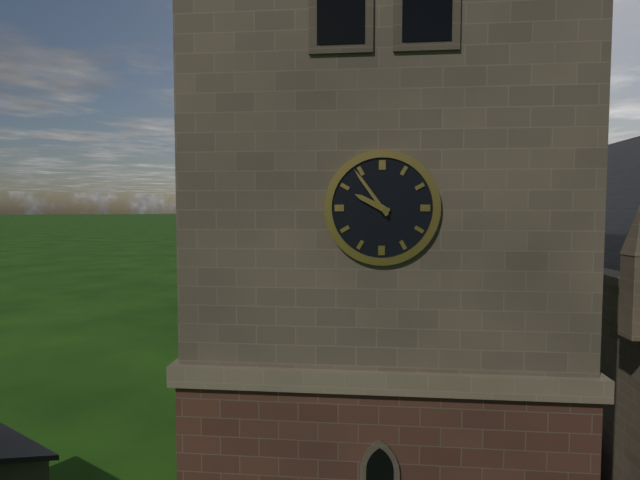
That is 9h54
